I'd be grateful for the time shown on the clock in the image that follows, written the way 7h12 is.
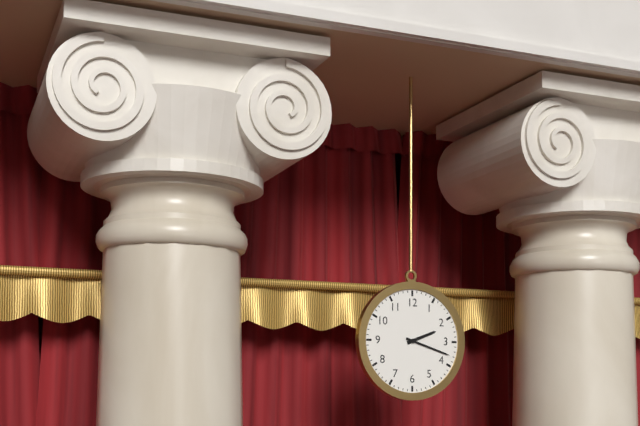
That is 2h18
